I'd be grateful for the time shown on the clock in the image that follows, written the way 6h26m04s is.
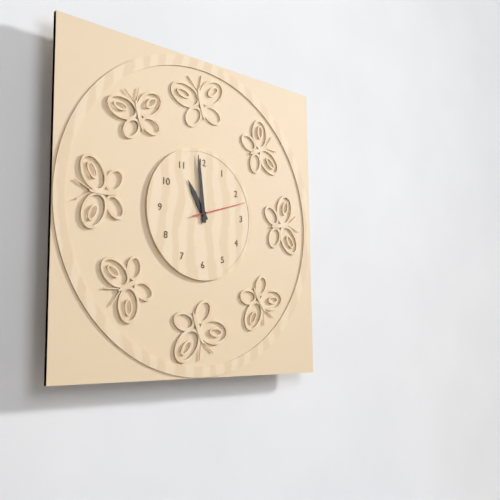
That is 10h59m12s
